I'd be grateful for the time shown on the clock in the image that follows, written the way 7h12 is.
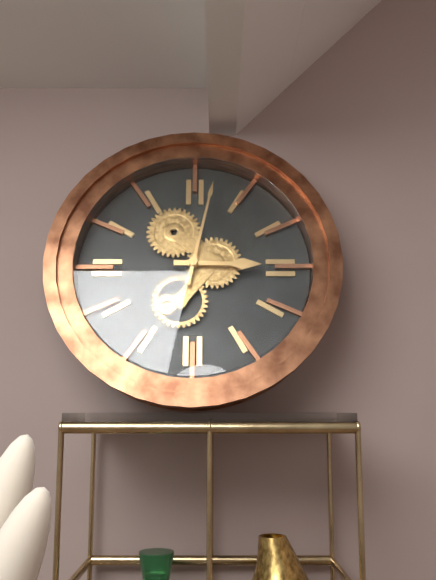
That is 3h02
